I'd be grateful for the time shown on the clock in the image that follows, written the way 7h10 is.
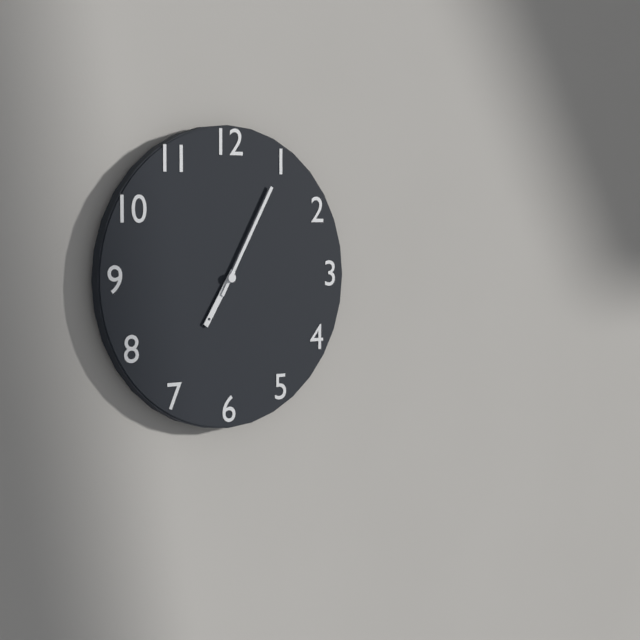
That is 7h05
